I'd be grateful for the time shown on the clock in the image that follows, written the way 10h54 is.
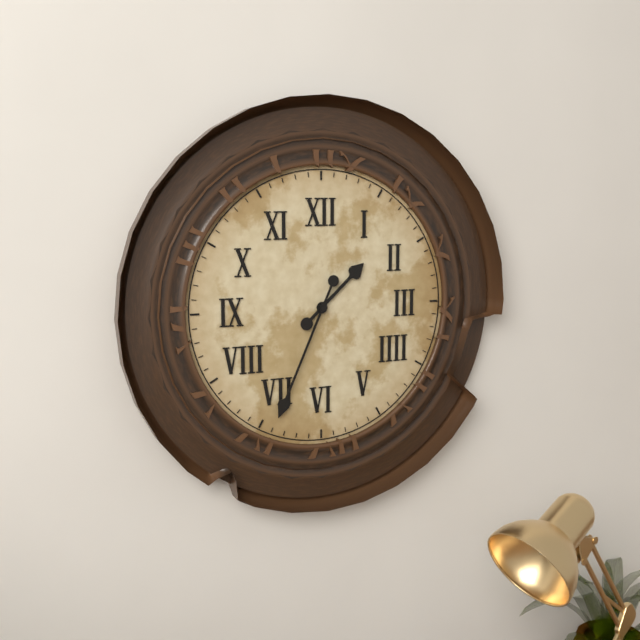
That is 1h34
